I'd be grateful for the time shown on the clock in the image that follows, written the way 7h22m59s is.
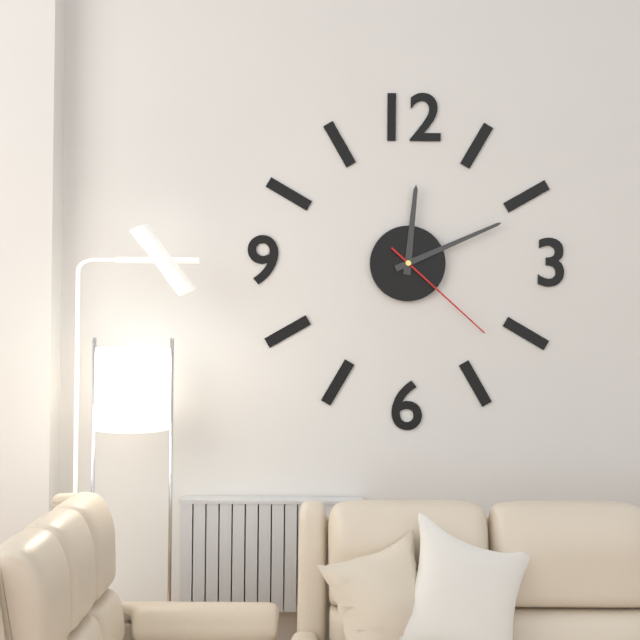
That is 12h11m22s
